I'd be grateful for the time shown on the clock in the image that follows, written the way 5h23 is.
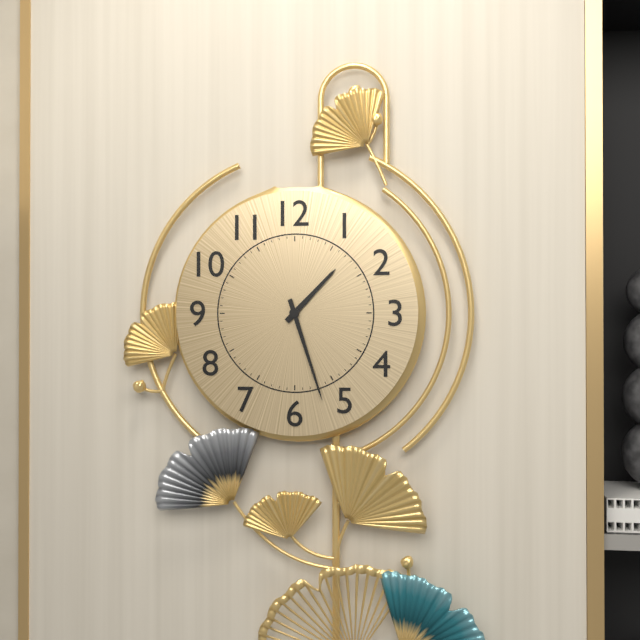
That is 1h27
